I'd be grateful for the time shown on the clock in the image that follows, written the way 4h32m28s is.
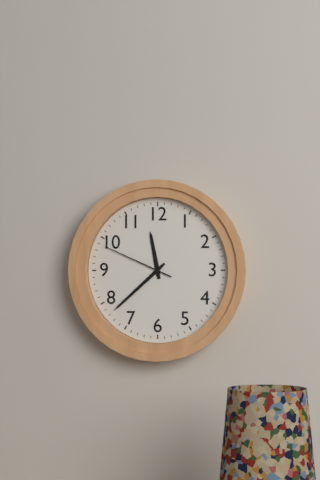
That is 11h38m49s
